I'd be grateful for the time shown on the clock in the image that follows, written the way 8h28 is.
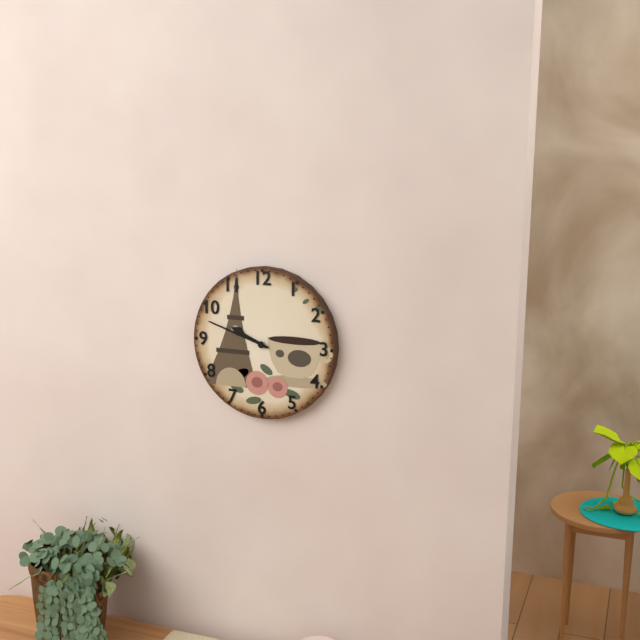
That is 9h48
